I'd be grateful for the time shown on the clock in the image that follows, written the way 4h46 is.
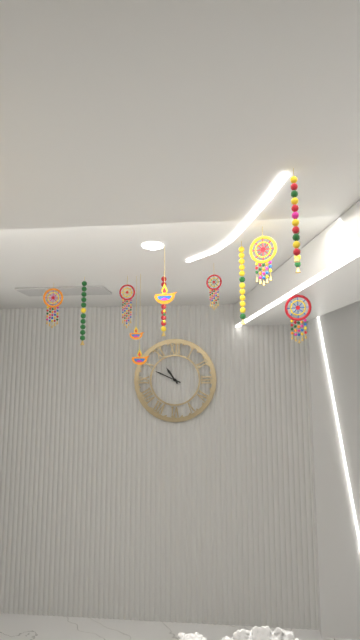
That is 10h49
